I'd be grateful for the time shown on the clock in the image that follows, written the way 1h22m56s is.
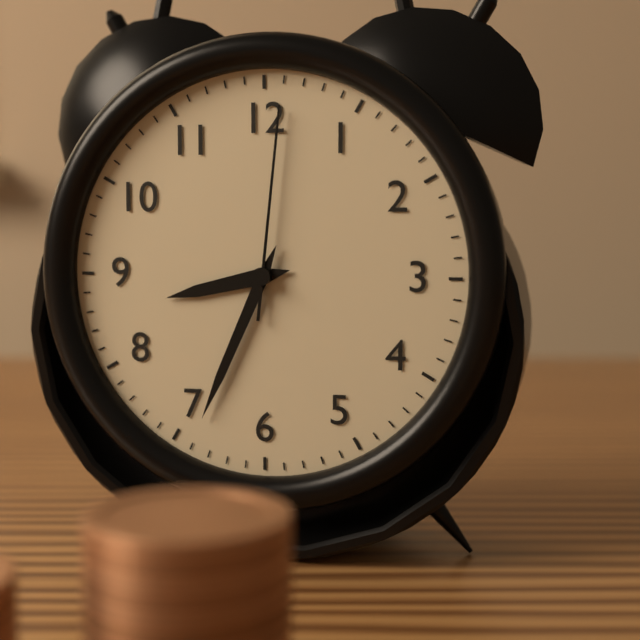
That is 8h34m01s
